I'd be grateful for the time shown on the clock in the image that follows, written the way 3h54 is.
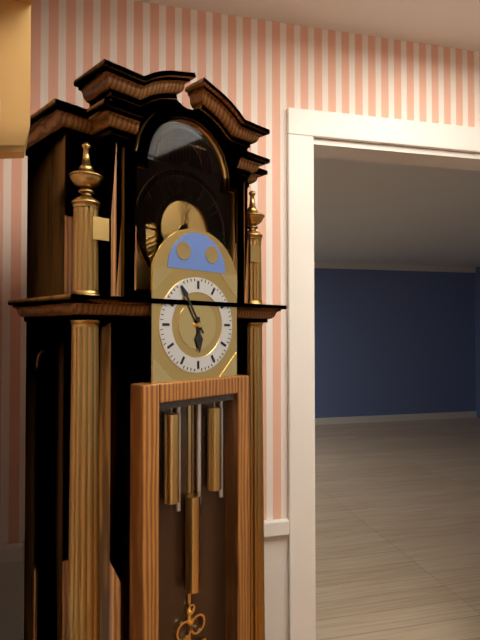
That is 5h55
